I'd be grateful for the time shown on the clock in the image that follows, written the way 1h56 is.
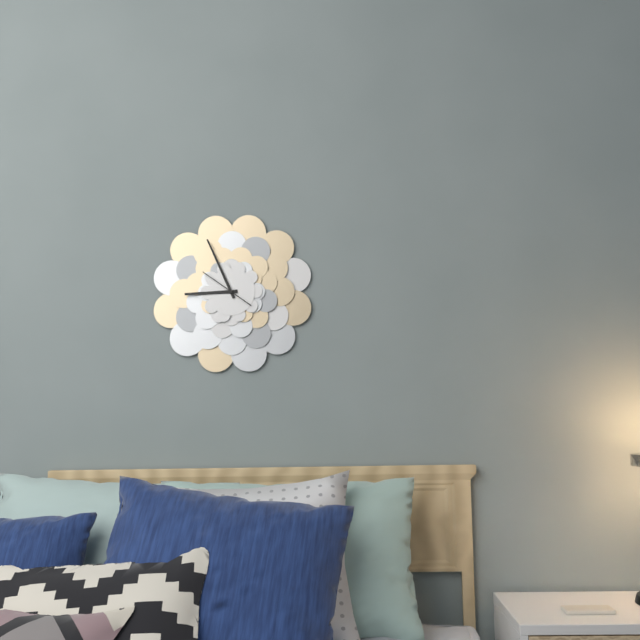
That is 8h56
